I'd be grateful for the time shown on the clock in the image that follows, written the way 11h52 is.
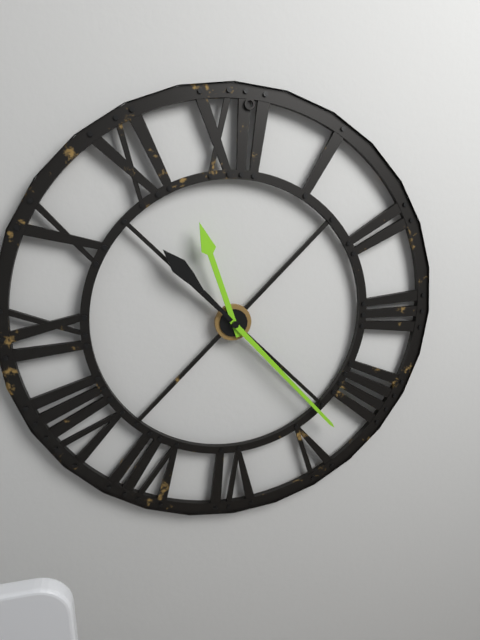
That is 11h23
